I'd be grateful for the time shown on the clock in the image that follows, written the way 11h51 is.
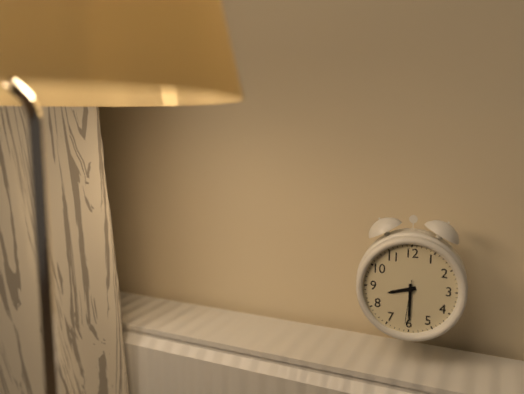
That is 8h30
